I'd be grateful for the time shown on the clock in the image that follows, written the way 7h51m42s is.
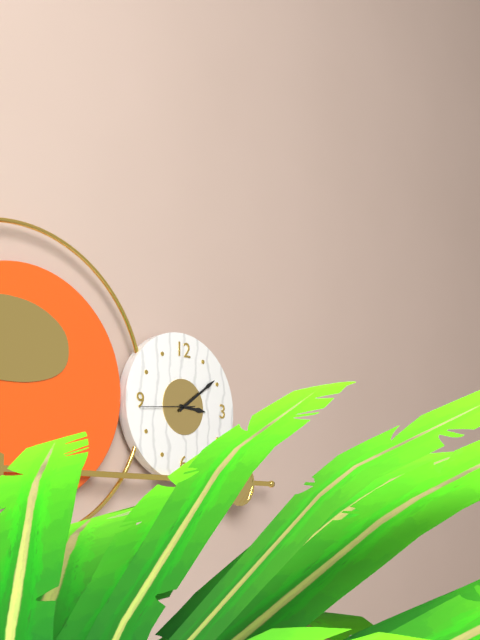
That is 3h09m44s
